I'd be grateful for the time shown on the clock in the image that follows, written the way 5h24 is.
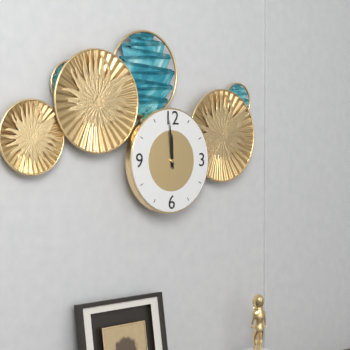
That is 11h59
